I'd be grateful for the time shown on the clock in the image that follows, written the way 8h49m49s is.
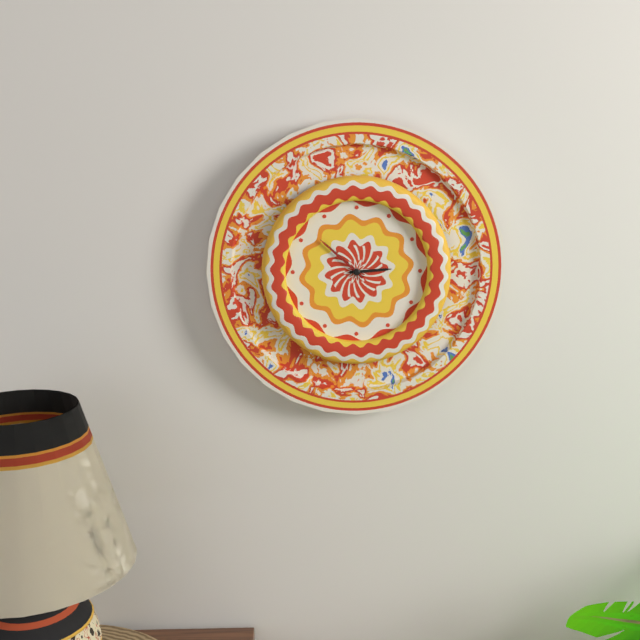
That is 2h52m52s
